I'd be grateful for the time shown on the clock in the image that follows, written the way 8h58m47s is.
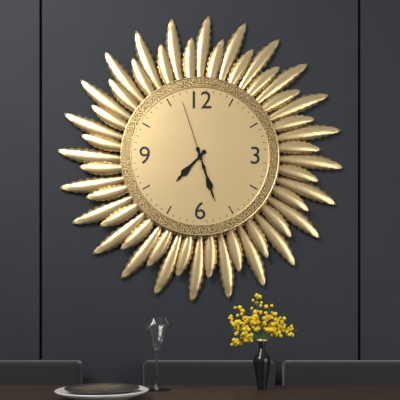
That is 7h27m57s
